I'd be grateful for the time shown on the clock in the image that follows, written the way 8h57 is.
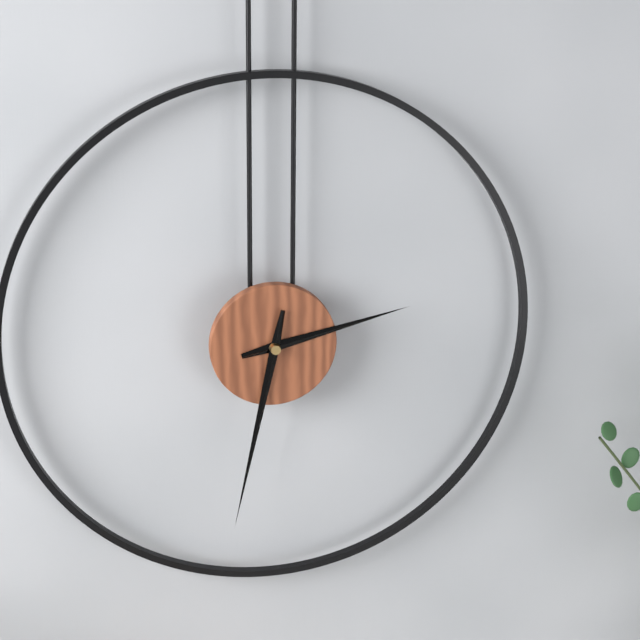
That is 2h32
